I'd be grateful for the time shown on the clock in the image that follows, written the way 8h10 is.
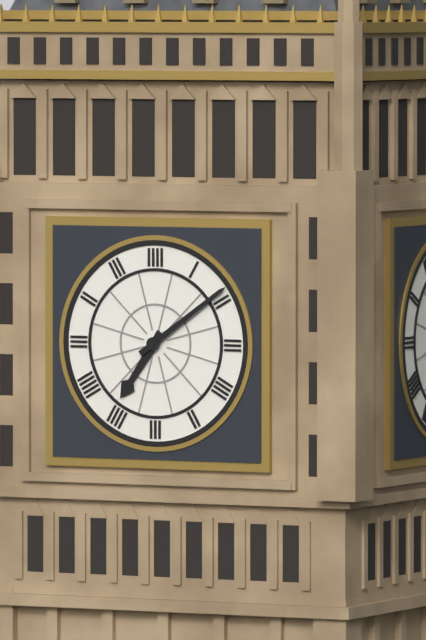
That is 7h09
